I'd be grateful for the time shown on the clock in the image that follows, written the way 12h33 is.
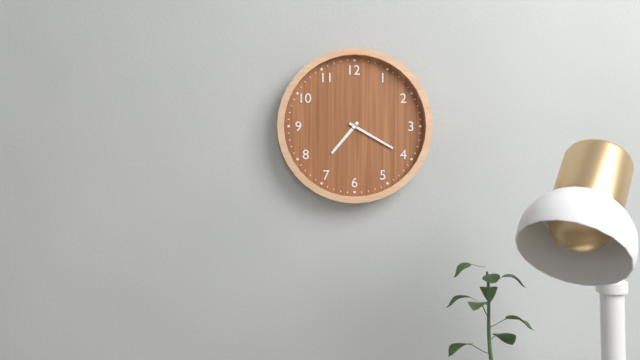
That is 7h20
